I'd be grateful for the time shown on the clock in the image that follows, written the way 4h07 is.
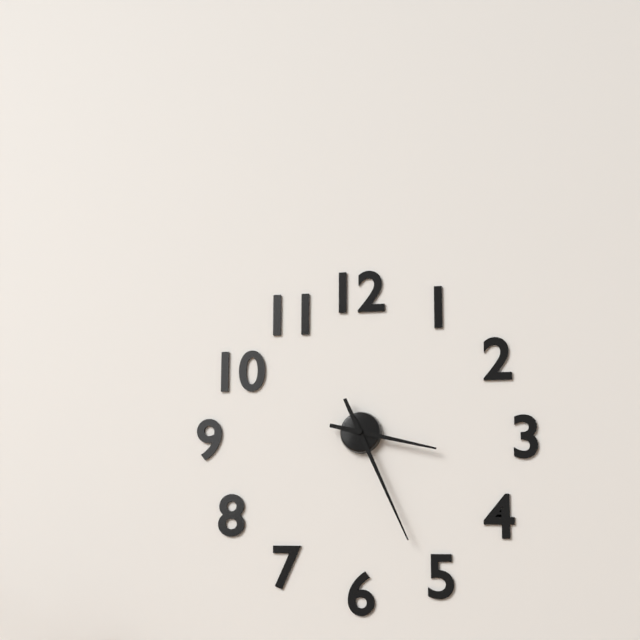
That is 3h26
